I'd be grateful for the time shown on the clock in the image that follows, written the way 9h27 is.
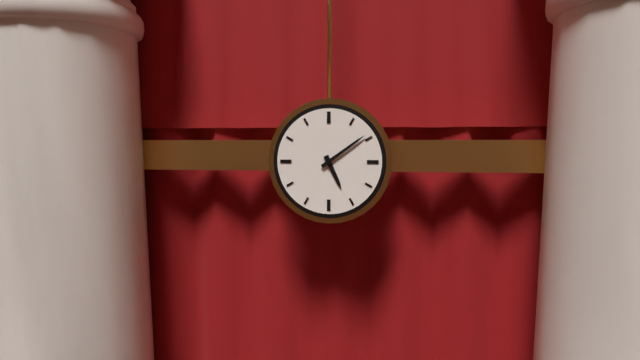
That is 5h09
